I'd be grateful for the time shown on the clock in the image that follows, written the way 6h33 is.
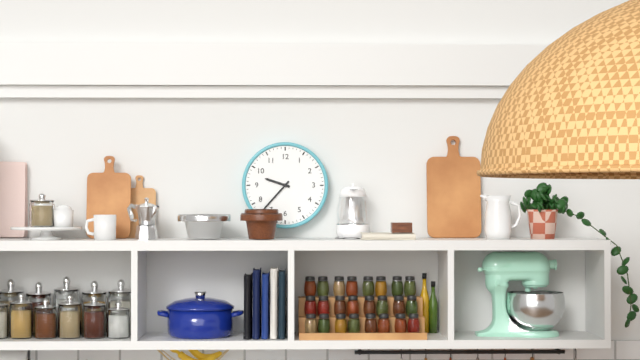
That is 9h37
